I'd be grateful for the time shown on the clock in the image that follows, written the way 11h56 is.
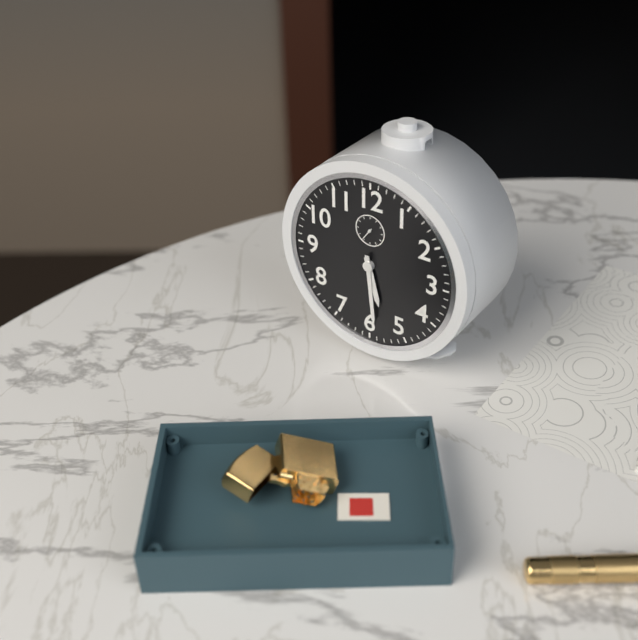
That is 5h29
